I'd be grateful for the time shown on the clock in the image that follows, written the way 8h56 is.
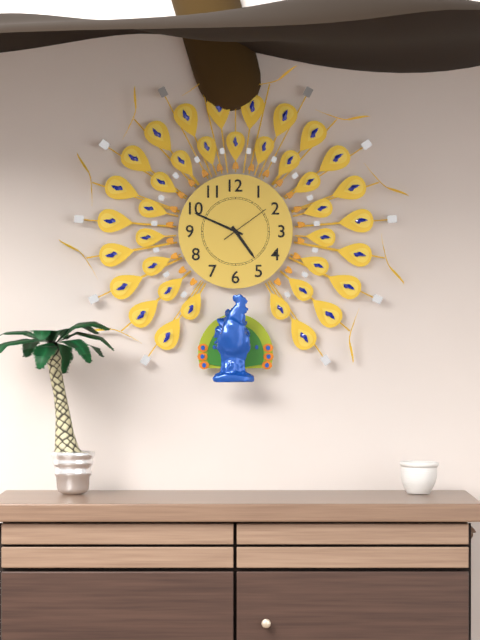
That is 4h49
